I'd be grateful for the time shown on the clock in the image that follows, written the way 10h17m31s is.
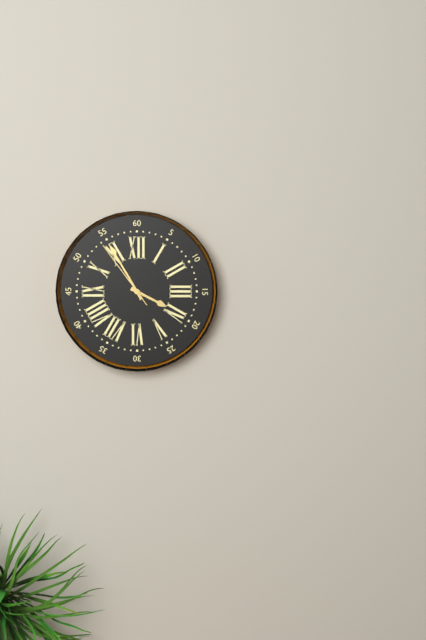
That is 3h55m54s
